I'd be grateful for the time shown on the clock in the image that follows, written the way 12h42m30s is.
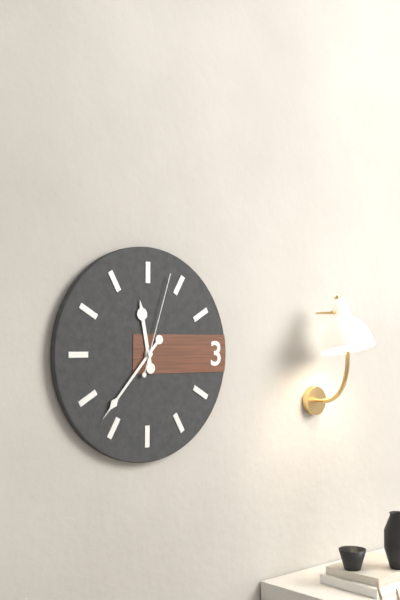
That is 11h37m03s
